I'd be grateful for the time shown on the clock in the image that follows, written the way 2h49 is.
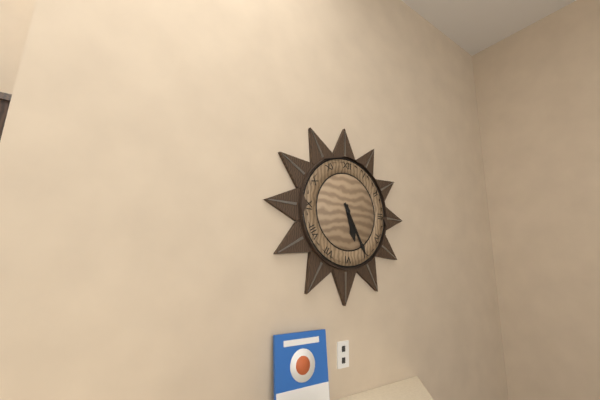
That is 5h25
